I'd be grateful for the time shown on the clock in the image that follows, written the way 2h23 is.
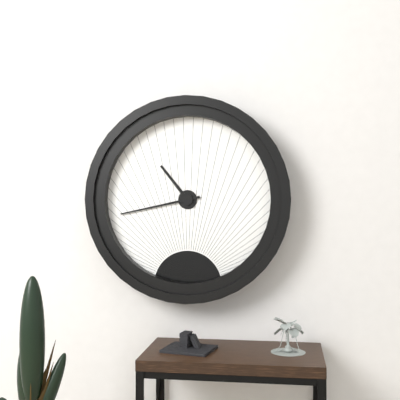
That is 10h43
